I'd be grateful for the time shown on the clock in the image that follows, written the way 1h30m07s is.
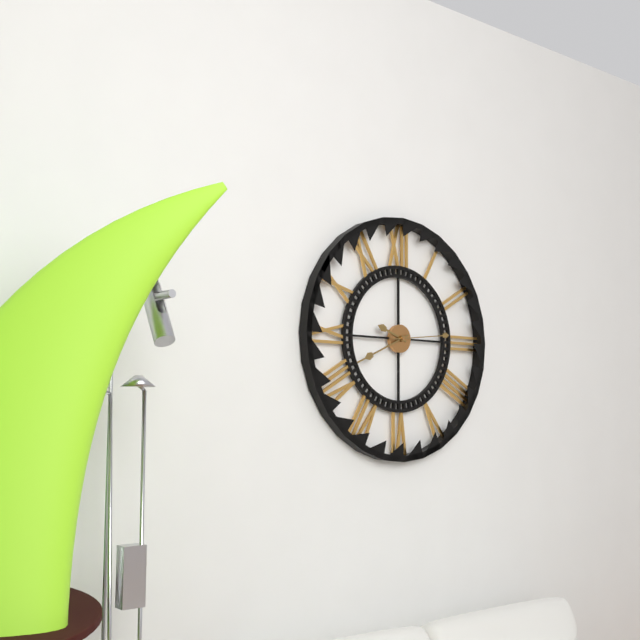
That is 9h41m14s
